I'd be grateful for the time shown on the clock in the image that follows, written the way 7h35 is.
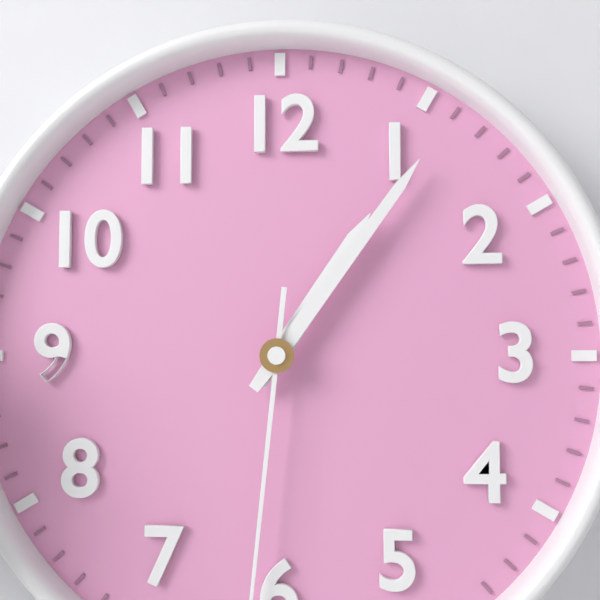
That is 1h06
